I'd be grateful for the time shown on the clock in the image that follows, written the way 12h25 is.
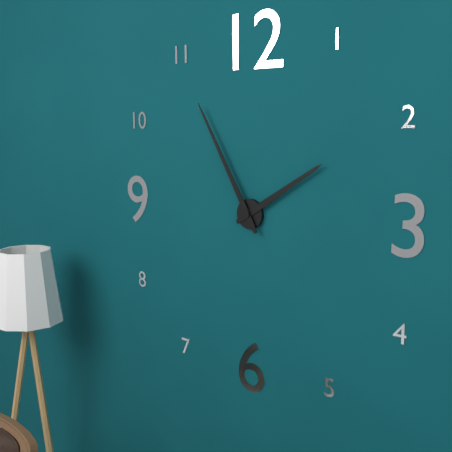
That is 1h55
